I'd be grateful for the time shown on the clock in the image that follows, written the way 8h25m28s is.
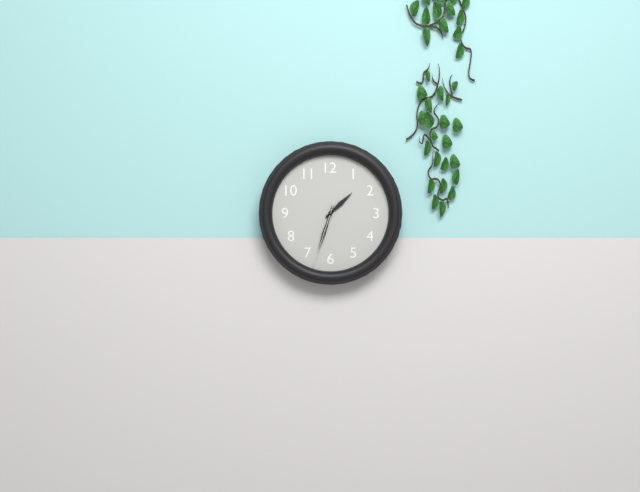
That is 1h33m33s
